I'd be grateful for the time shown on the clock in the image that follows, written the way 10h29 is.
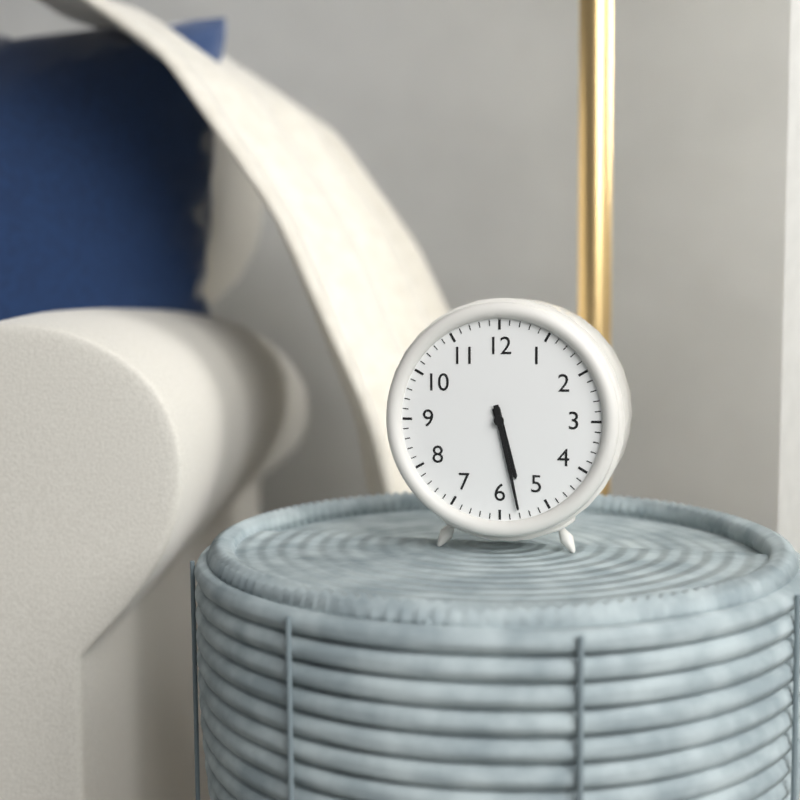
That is 5h28
